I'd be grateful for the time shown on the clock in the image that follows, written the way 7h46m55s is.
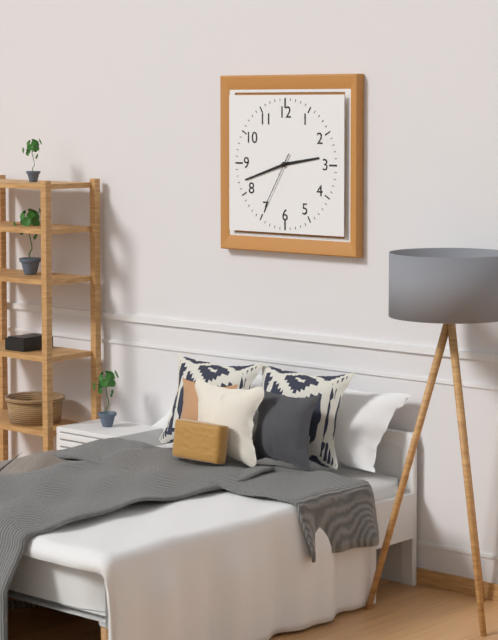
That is 2h42m35s
